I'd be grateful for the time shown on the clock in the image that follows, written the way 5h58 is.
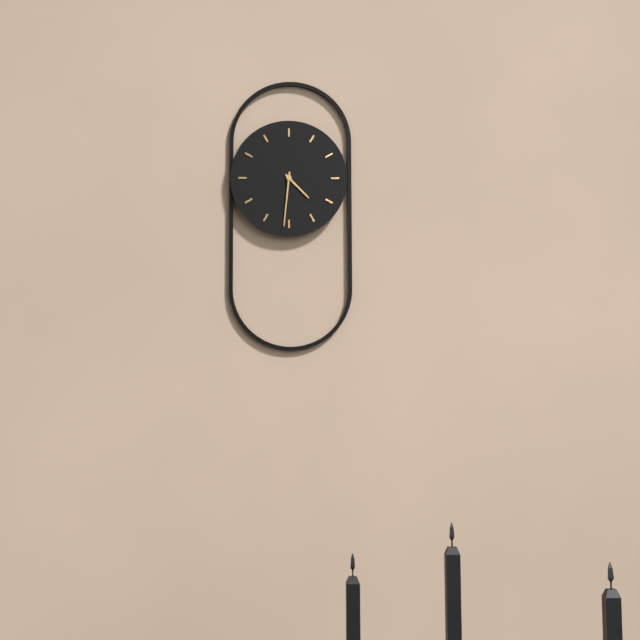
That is 4h31
